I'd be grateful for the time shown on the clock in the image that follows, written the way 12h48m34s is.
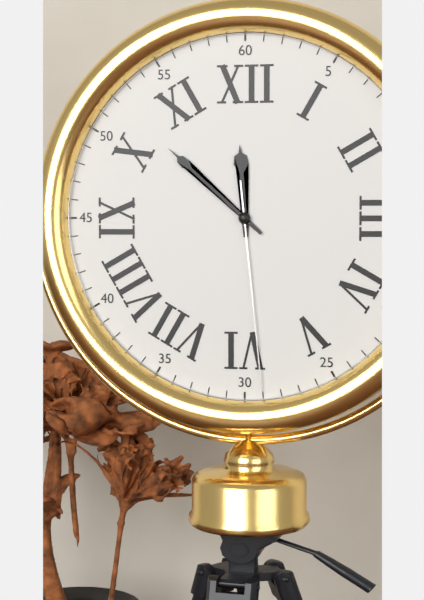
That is 11h52m29s
